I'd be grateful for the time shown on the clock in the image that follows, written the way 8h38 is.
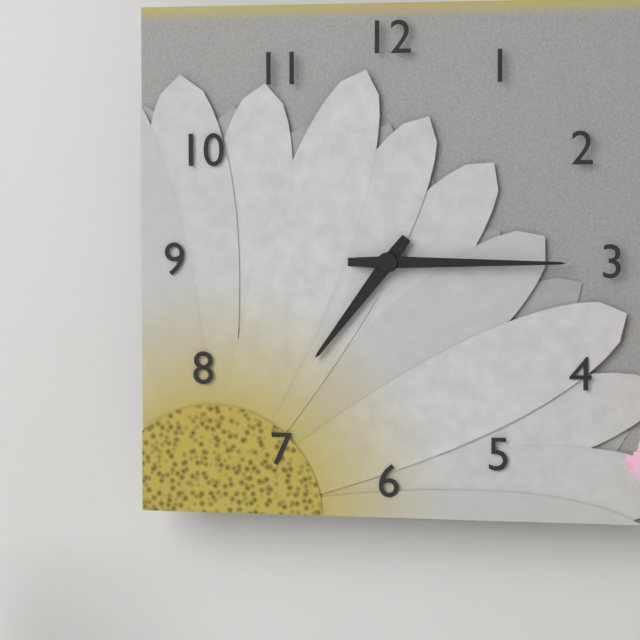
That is 7h15
